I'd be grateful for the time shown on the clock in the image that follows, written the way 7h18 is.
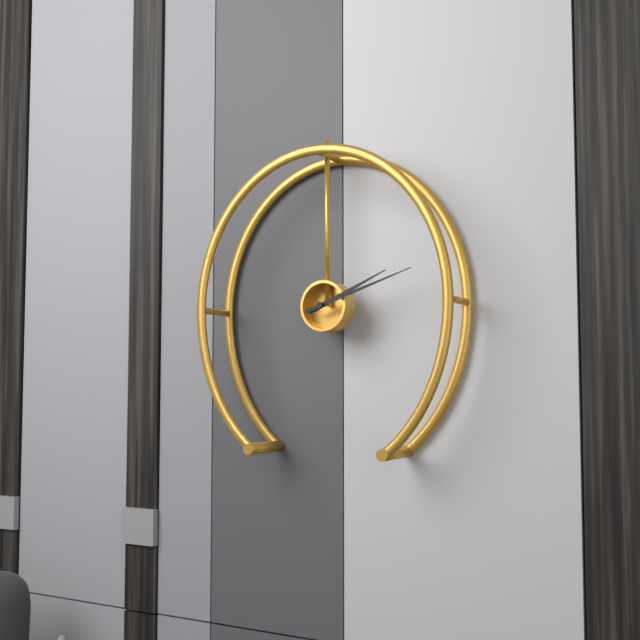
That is 2h12
